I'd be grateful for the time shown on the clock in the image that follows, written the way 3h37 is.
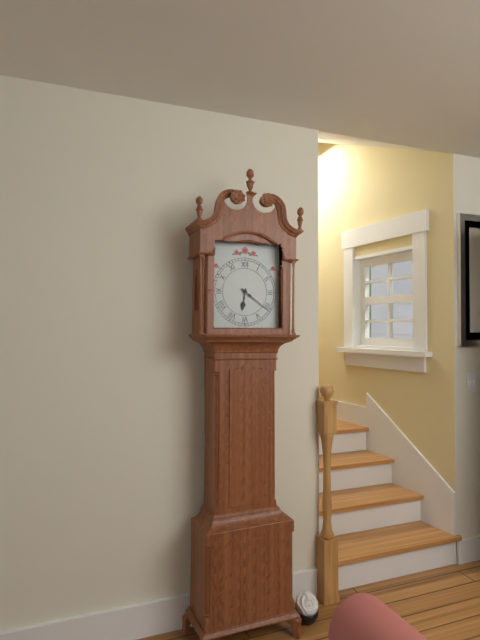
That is 6h21
